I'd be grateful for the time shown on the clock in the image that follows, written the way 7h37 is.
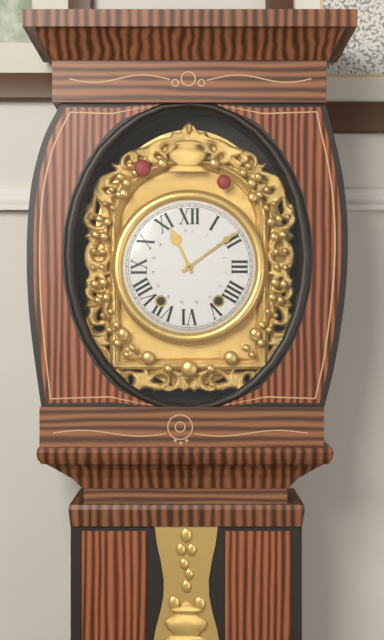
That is 11h09
